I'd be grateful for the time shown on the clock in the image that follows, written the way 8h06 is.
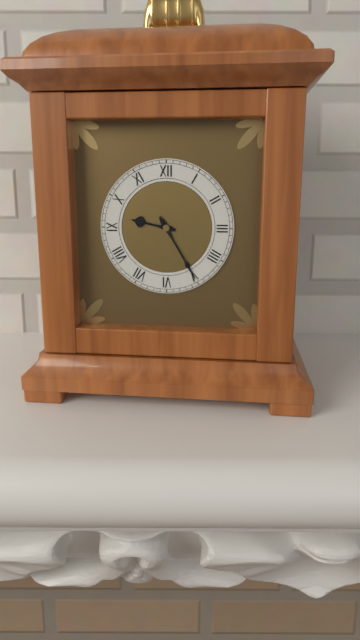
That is 9h25
